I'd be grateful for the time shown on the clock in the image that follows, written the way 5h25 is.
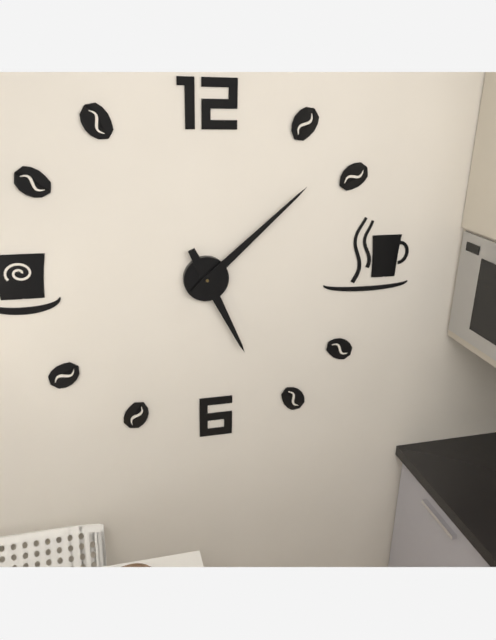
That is 5h08
